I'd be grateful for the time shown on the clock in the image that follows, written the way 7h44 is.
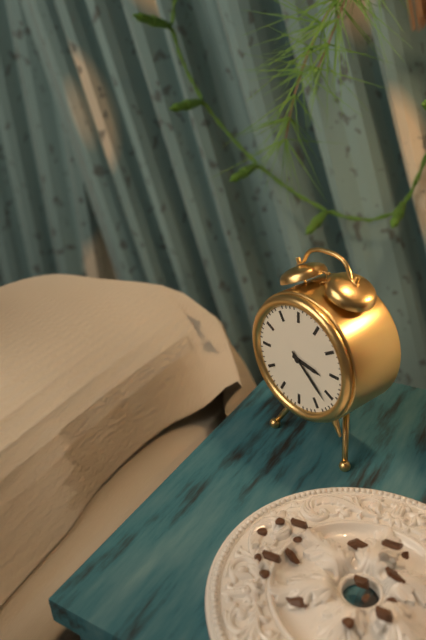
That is 3h22
